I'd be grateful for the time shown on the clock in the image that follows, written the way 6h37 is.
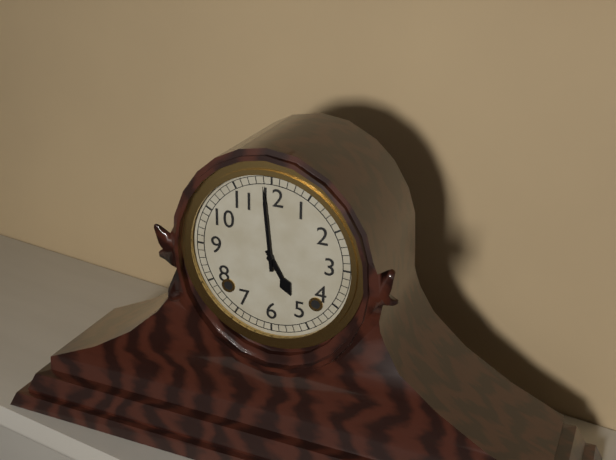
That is 4h59
